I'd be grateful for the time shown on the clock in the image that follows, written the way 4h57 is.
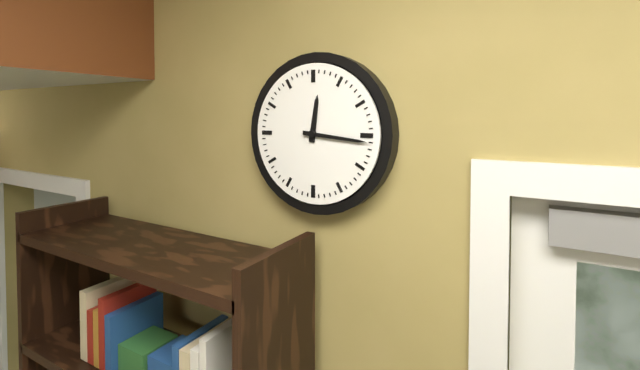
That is 12h16
